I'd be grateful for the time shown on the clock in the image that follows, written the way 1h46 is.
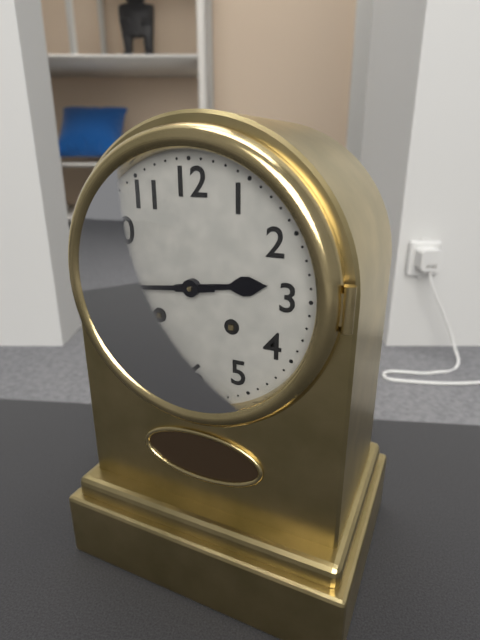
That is 2h44
